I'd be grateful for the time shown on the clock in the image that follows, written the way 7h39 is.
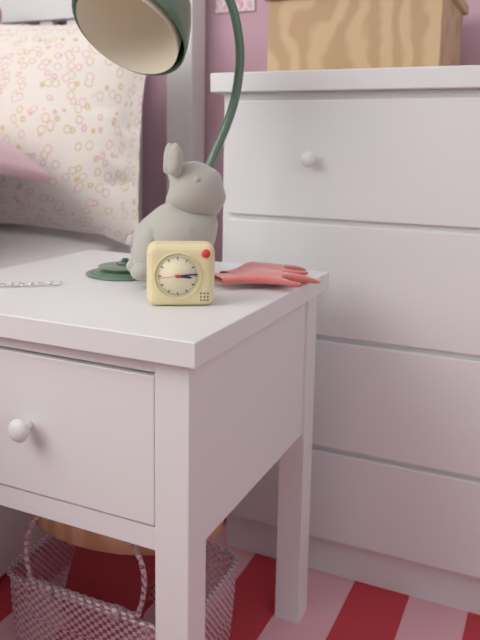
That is 3h14
